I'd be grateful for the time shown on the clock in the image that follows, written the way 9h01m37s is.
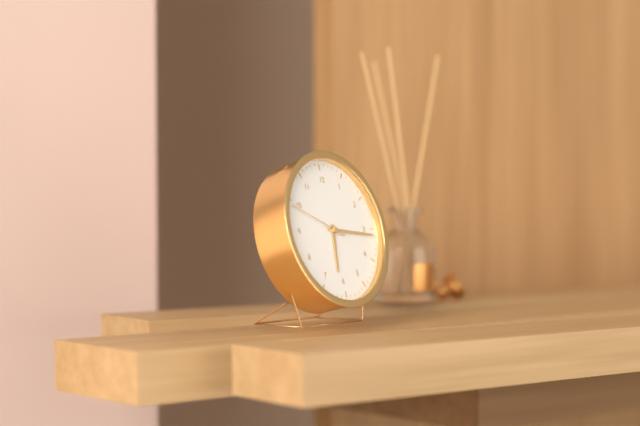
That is 6h16m49s
